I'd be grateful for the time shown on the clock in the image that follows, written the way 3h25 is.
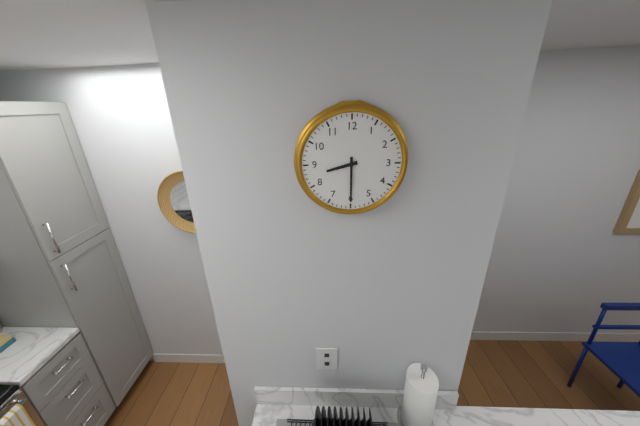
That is 8h30
